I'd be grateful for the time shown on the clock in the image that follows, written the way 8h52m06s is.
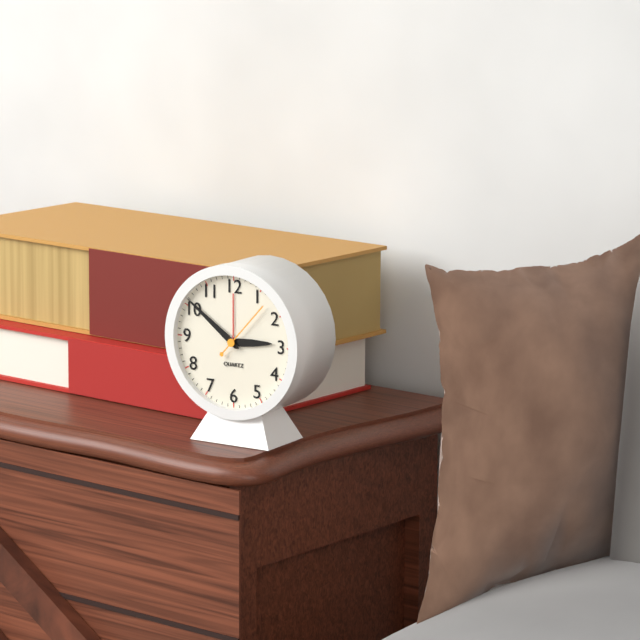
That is 2h51m07s
